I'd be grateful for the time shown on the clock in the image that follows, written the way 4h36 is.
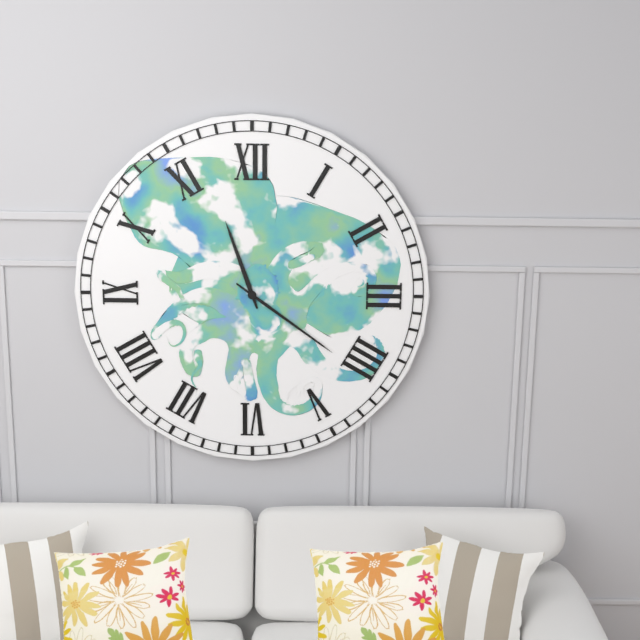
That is 11h21
